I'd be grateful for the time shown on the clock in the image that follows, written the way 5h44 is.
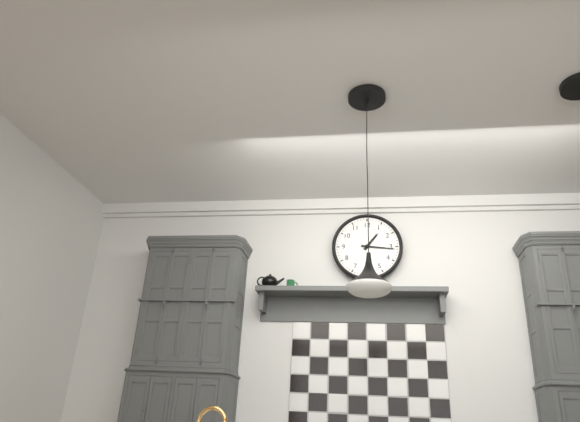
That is 1h16
